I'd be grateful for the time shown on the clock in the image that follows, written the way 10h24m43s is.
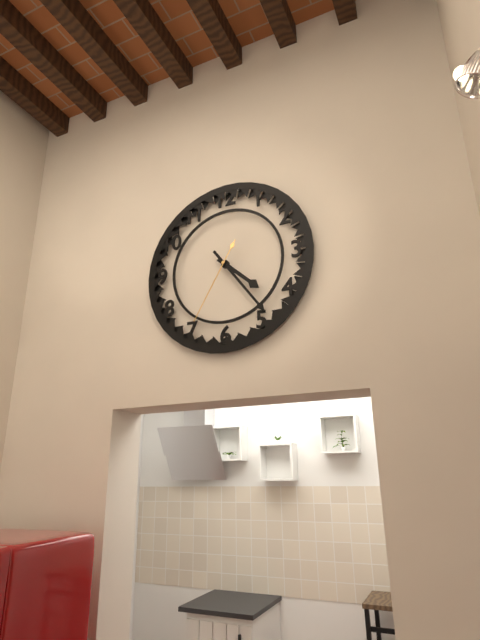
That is 4h24m35s
